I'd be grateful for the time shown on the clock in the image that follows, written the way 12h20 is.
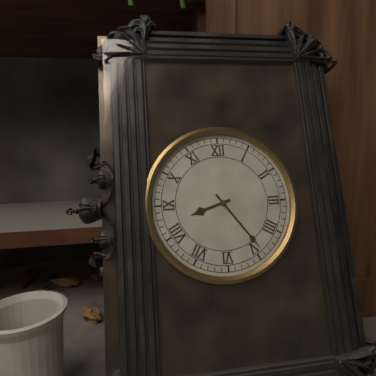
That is 8h24
